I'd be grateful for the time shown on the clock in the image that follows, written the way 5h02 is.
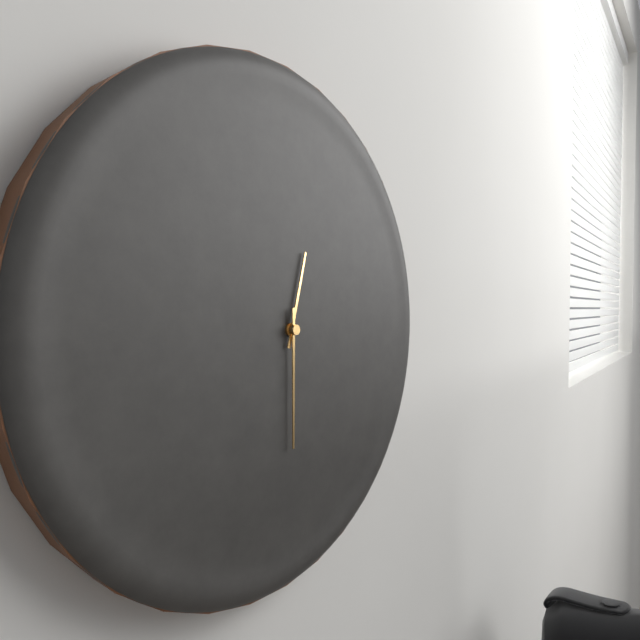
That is 12h30
